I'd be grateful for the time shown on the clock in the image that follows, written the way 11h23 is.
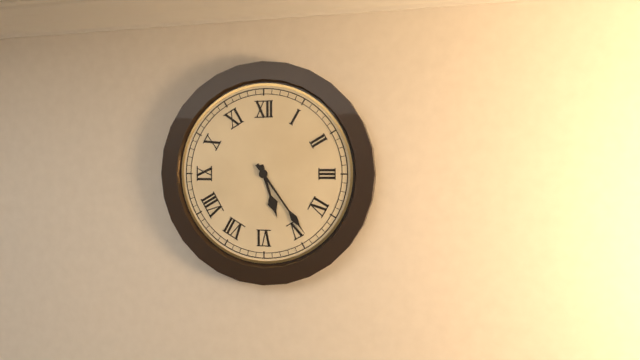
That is 5h24
